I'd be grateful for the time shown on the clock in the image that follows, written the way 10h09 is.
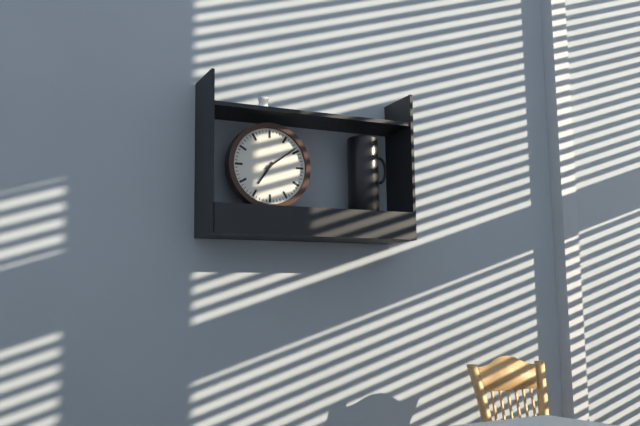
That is 7h09
